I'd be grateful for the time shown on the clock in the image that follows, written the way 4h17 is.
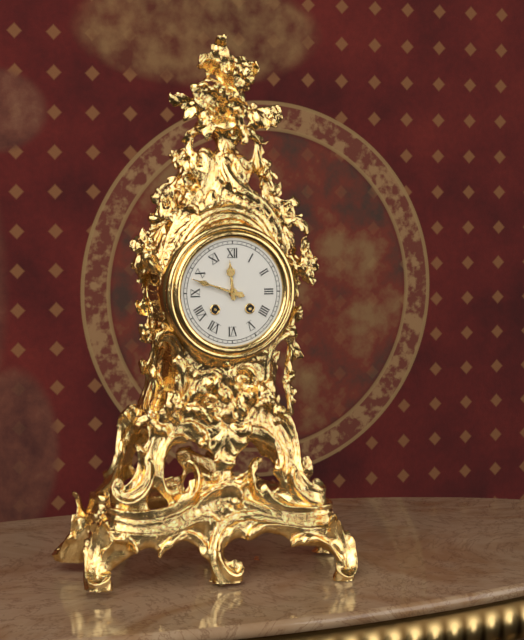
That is 11h48
